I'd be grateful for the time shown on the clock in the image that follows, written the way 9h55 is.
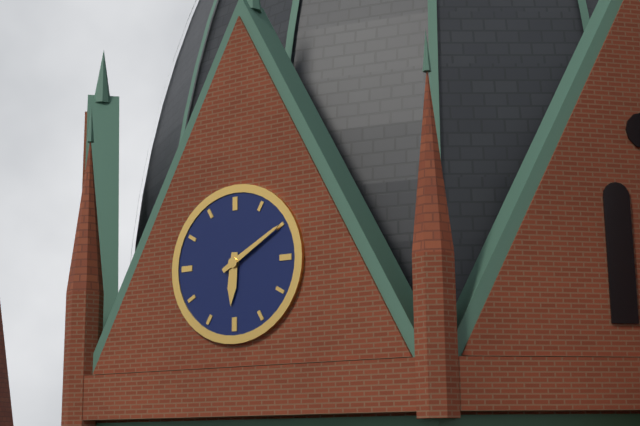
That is 6h10
